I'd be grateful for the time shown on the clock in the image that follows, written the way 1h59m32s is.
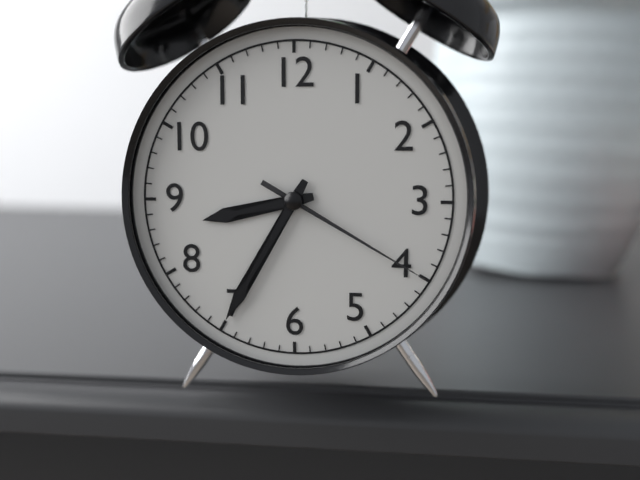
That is 8h35m20s
